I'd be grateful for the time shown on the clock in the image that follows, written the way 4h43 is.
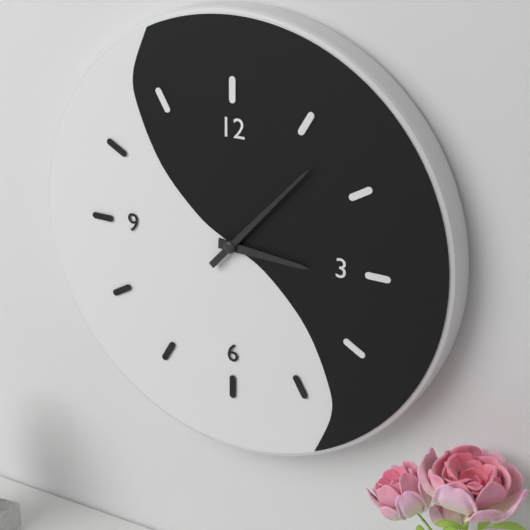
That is 3h07
